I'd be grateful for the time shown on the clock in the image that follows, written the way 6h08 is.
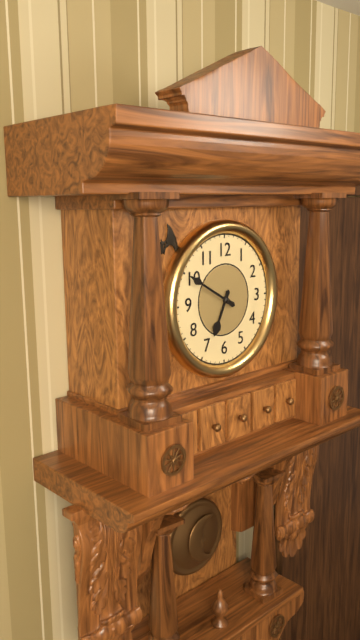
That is 6h50
